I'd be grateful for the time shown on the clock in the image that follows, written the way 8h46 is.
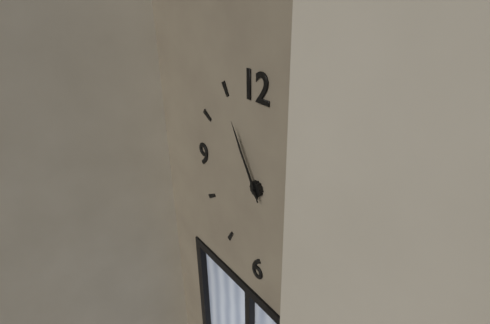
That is 10h55
